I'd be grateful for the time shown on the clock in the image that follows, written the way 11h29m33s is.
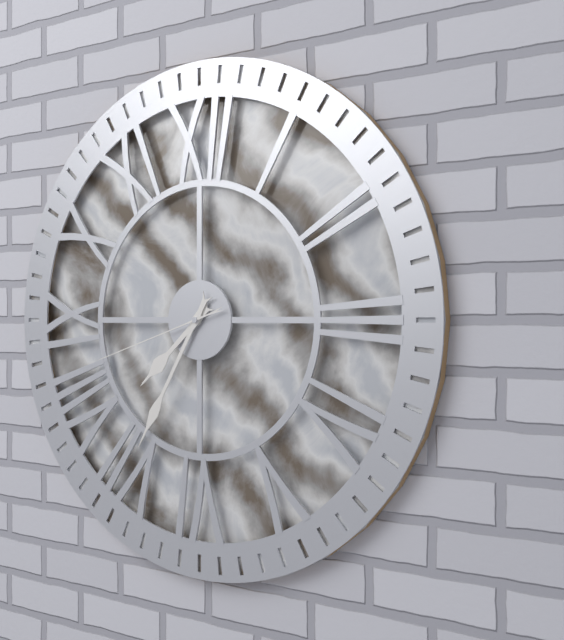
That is 7h35m42s
